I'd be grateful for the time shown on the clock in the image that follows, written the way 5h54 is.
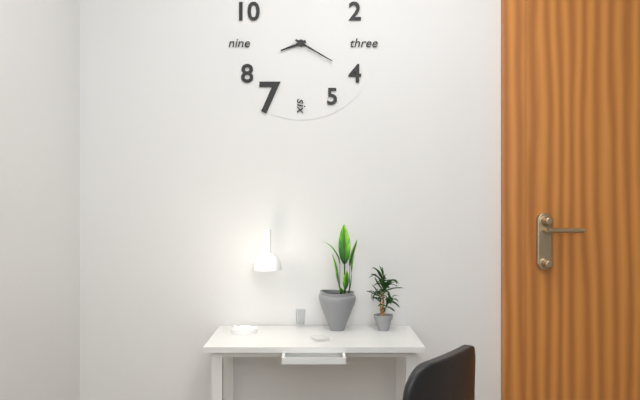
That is 8h20
